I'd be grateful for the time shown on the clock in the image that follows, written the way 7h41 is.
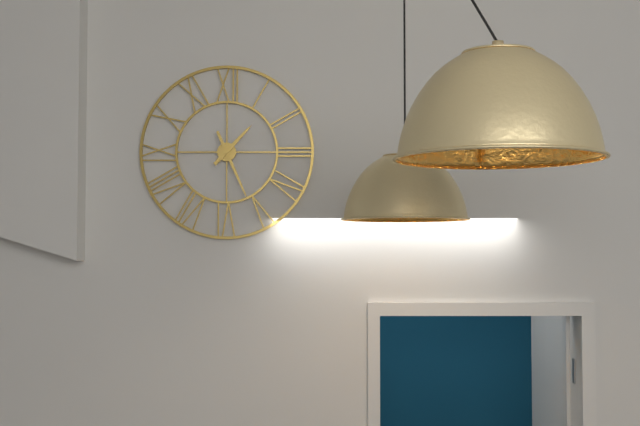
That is 1h26
